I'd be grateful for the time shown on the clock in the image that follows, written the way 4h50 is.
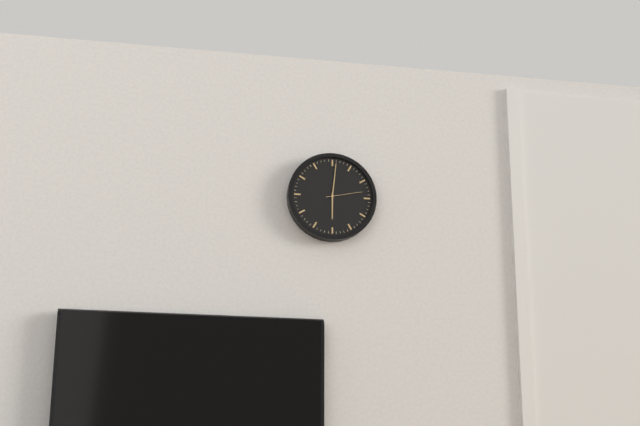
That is 6h01
